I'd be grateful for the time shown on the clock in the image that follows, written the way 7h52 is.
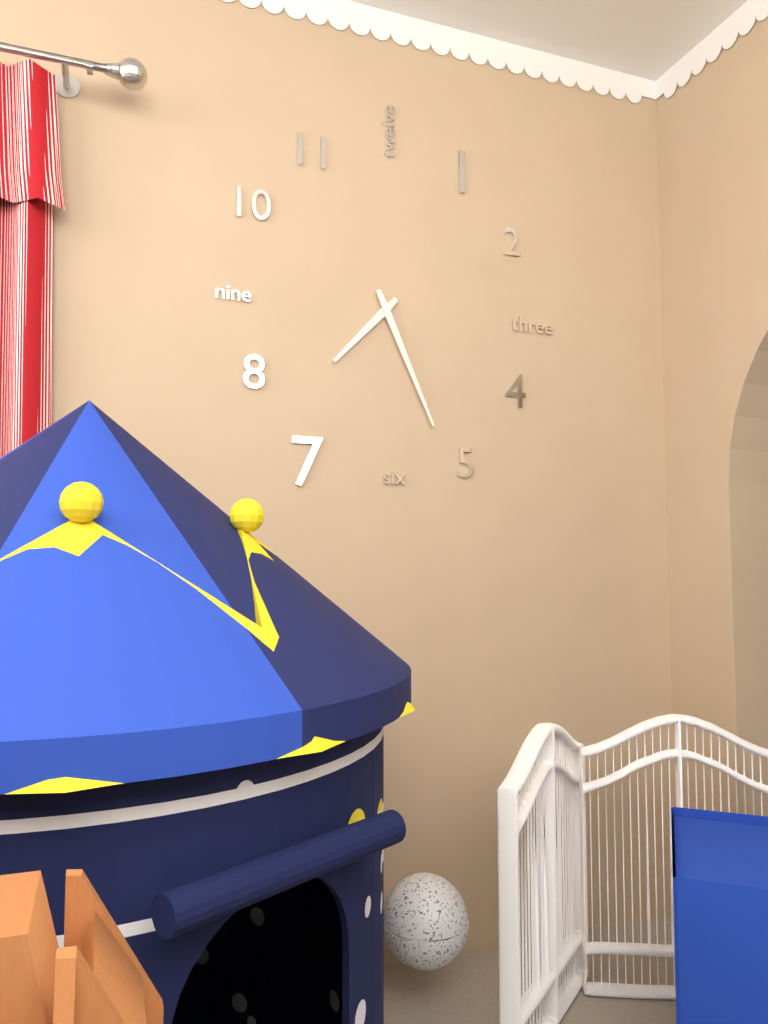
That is 7h26
